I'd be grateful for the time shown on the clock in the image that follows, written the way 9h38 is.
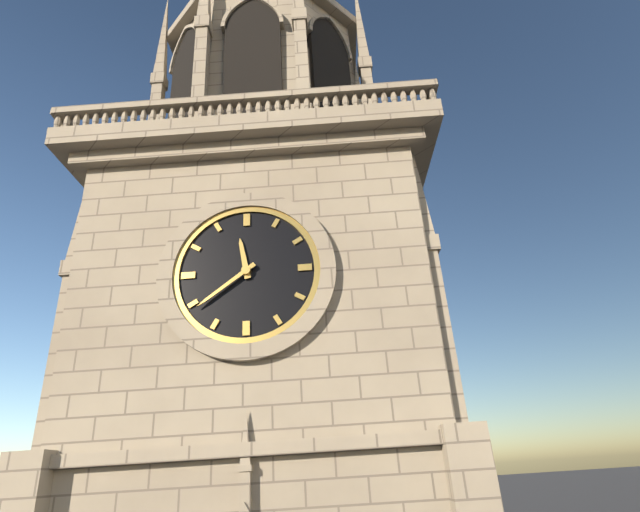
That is 11h39
